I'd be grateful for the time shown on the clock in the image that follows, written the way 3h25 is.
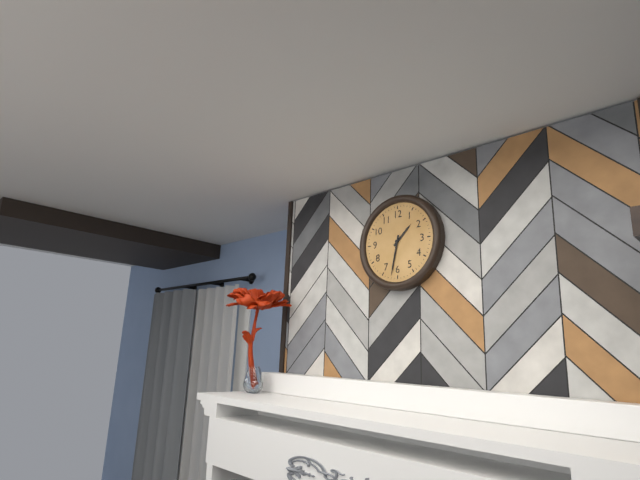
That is 1h32
